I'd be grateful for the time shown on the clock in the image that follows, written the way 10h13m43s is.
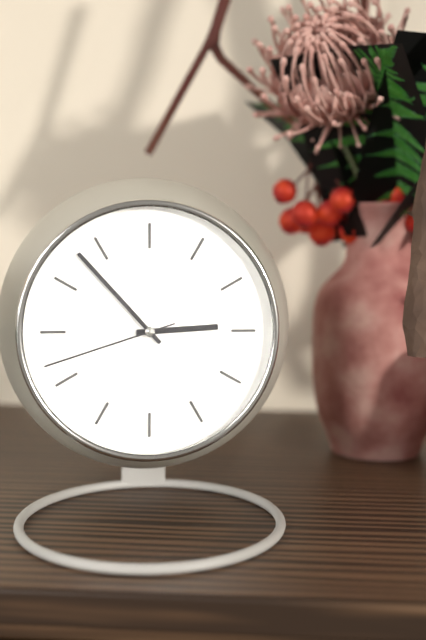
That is 2h53m42s
